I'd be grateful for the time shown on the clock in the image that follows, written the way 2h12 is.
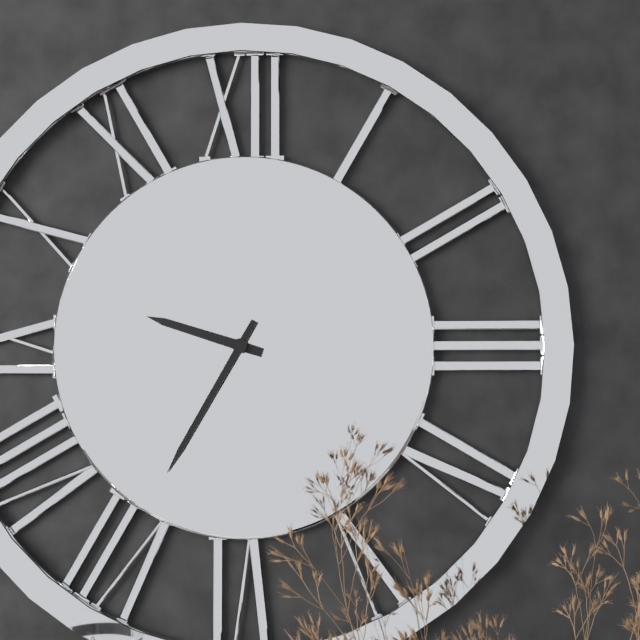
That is 9h35
